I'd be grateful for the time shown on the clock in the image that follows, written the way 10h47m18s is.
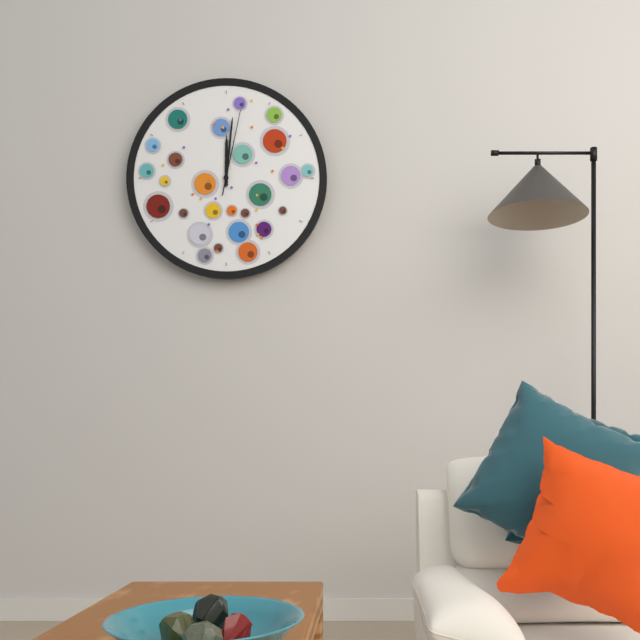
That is 12h01m02s
